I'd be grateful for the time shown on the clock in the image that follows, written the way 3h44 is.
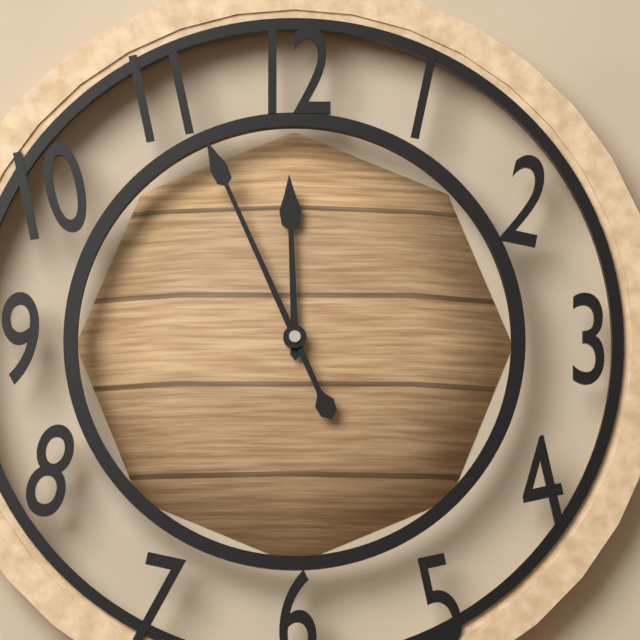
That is 11h56
